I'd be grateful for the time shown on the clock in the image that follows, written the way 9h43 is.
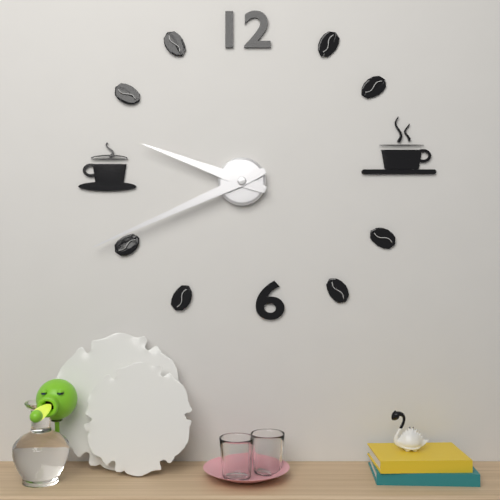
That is 9h41
